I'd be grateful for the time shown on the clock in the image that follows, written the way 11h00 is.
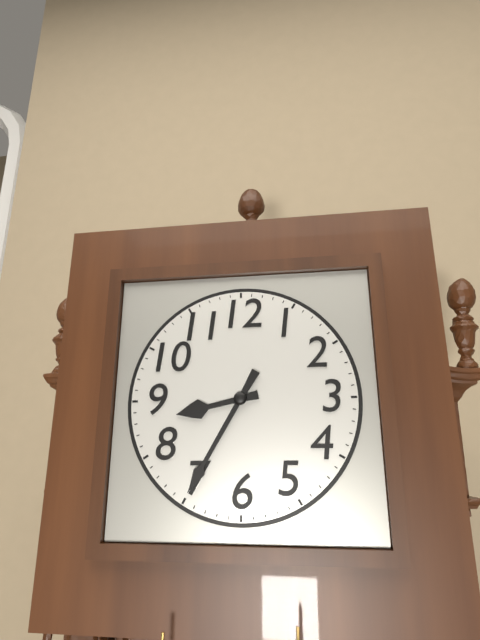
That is 8h35
